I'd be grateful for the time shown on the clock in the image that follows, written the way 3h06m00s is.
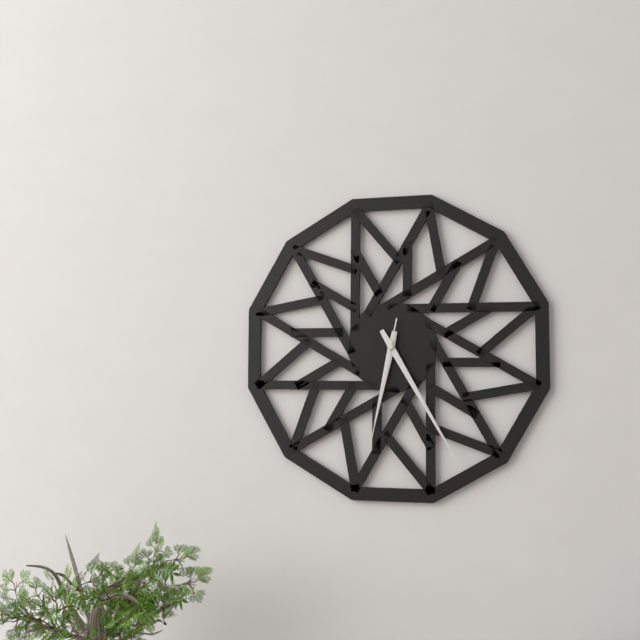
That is 6h25m32s
